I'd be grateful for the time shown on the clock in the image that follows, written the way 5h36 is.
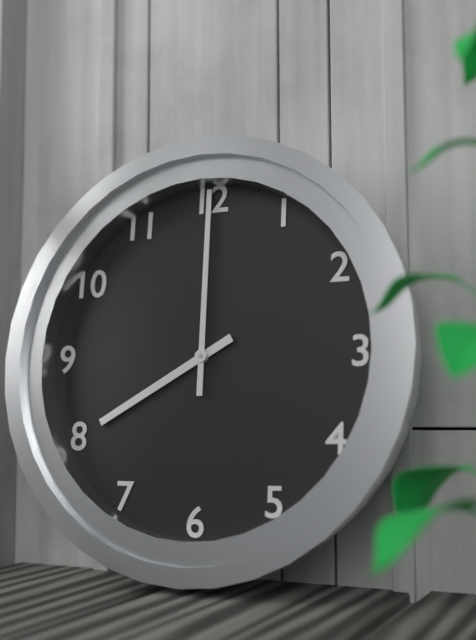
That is 8h00
